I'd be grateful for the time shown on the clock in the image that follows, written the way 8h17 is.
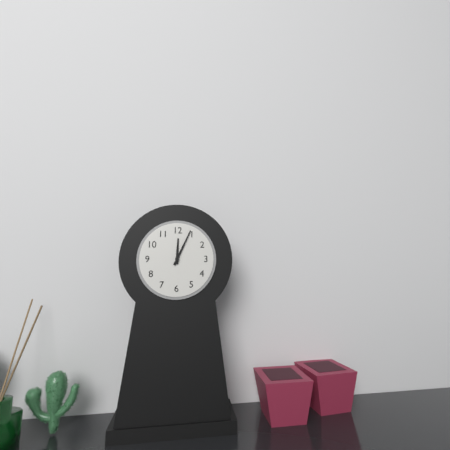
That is 12h04
